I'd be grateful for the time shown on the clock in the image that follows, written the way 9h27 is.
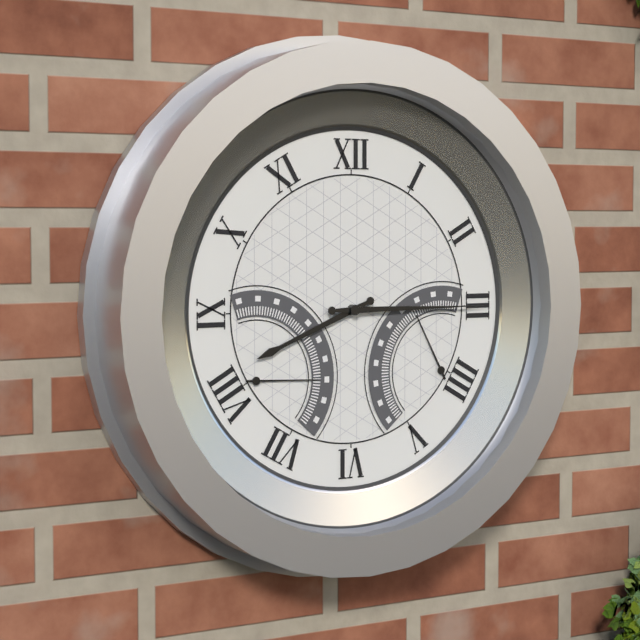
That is 8h15
